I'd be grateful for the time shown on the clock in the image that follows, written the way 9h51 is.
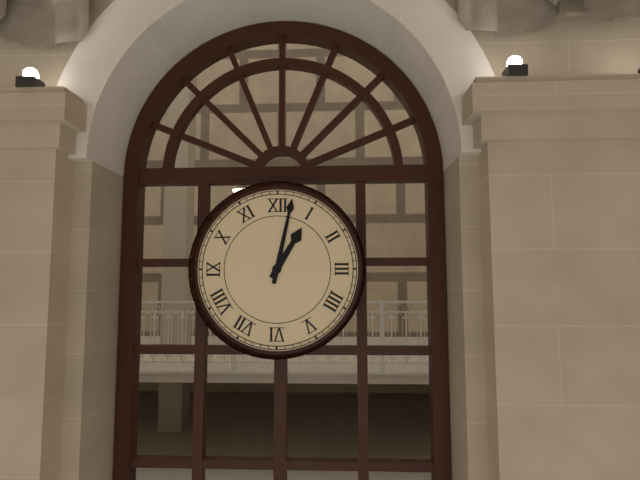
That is 1h02
